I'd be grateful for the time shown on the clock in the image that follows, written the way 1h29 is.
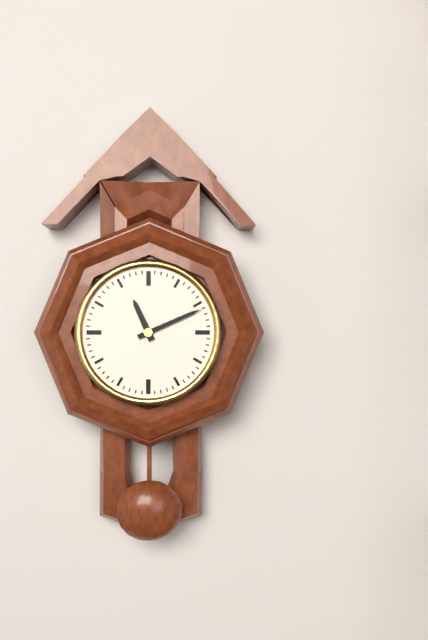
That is 11h11
